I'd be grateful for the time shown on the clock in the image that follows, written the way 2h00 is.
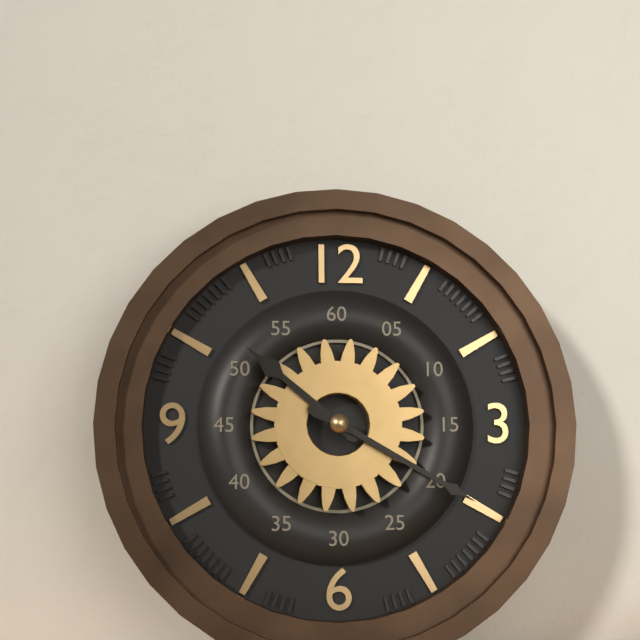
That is 10h20
